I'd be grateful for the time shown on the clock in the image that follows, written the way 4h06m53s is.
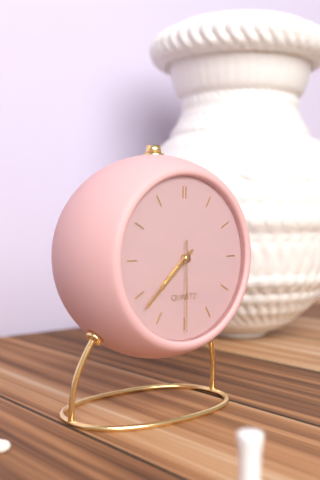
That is 7h38m30s
